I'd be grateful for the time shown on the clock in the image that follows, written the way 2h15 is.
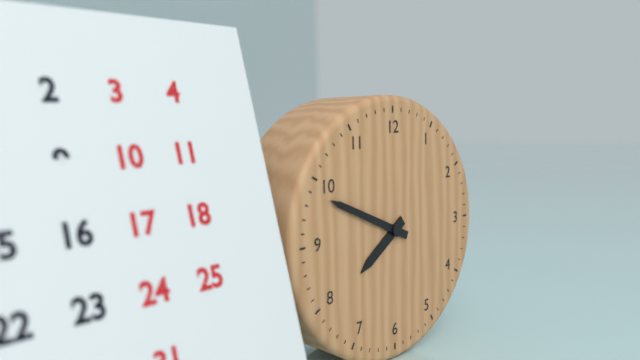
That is 7h49
